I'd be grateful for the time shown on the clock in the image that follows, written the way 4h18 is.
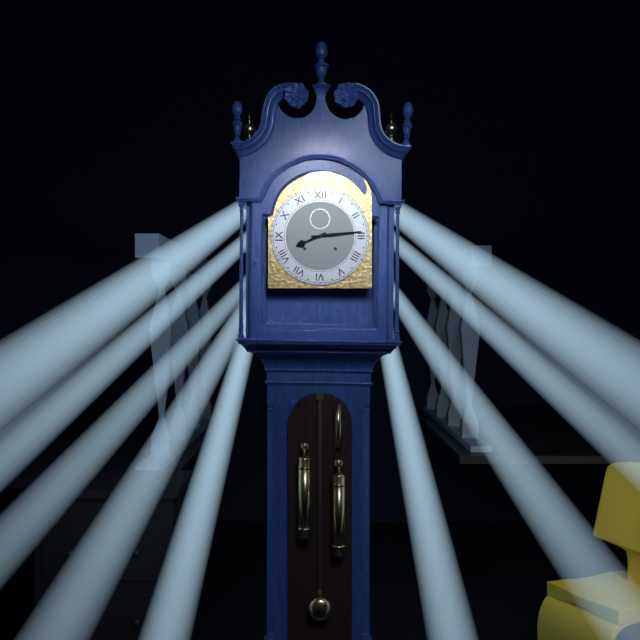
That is 8h14
